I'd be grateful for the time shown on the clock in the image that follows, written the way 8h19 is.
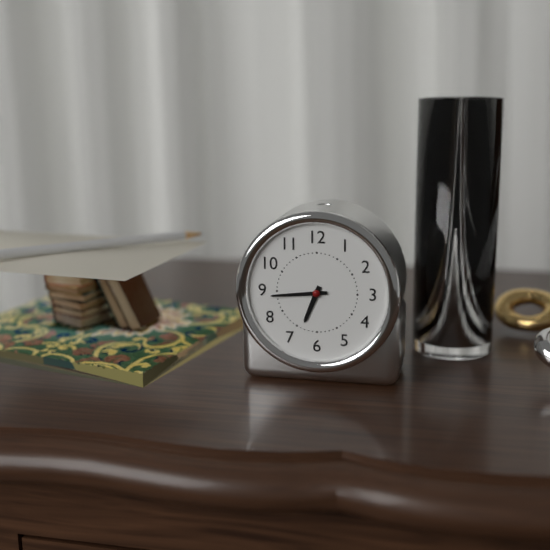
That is 6h44
